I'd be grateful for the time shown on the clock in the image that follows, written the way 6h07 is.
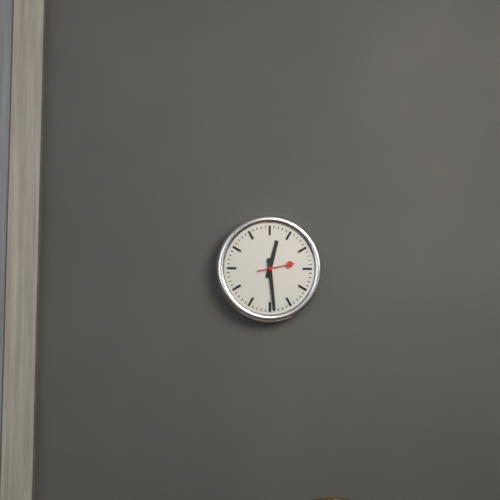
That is 12h29
